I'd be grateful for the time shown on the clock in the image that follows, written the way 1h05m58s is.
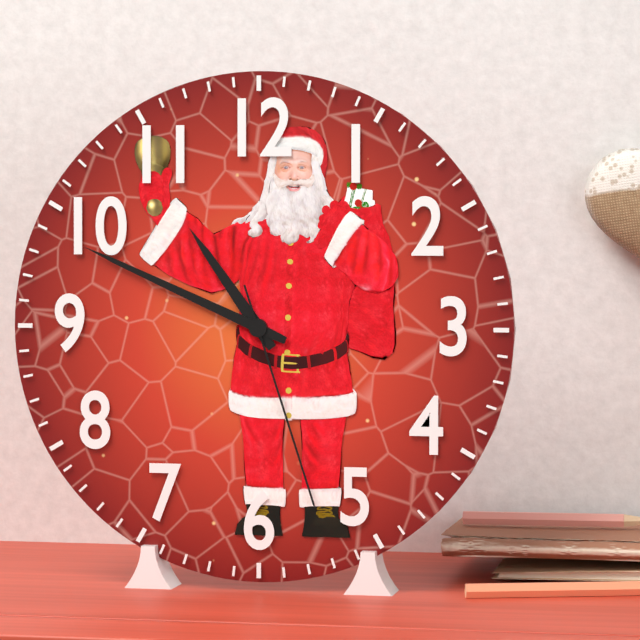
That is 10h49m27s
